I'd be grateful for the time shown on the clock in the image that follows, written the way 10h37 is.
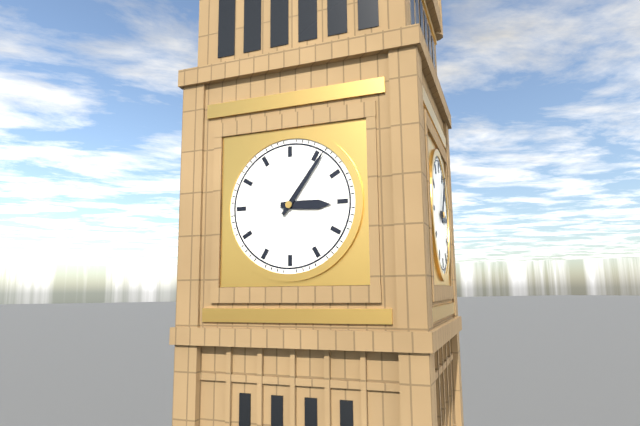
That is 3h06
